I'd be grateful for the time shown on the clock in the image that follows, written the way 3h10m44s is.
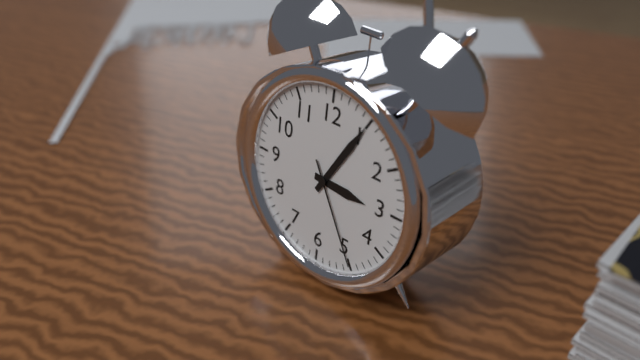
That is 3h05m25s
